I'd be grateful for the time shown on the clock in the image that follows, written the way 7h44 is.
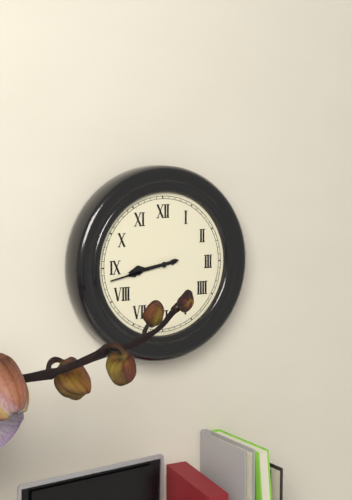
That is 8h43
